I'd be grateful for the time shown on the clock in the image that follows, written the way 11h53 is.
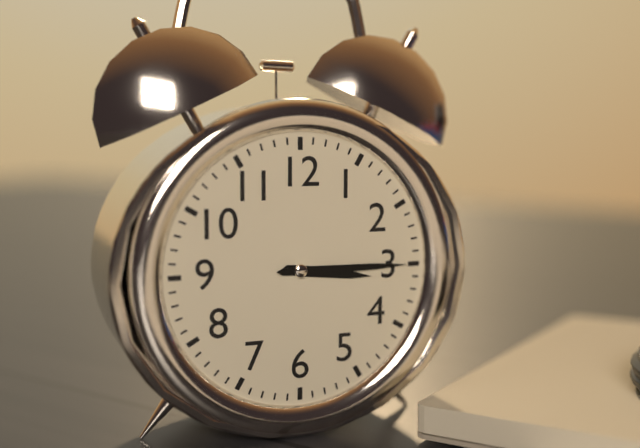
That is 3h15
